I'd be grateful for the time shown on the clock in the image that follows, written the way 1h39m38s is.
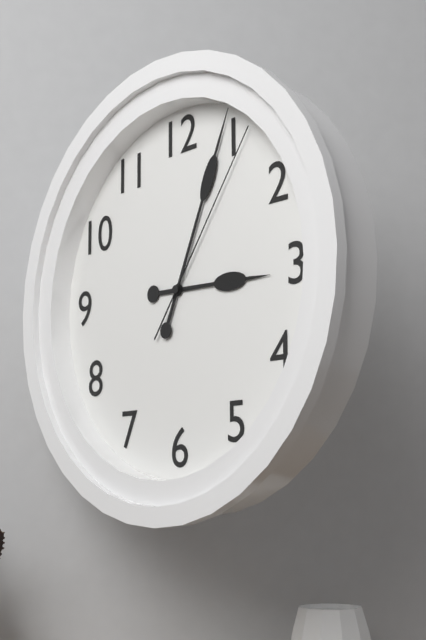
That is 3h04m06s
